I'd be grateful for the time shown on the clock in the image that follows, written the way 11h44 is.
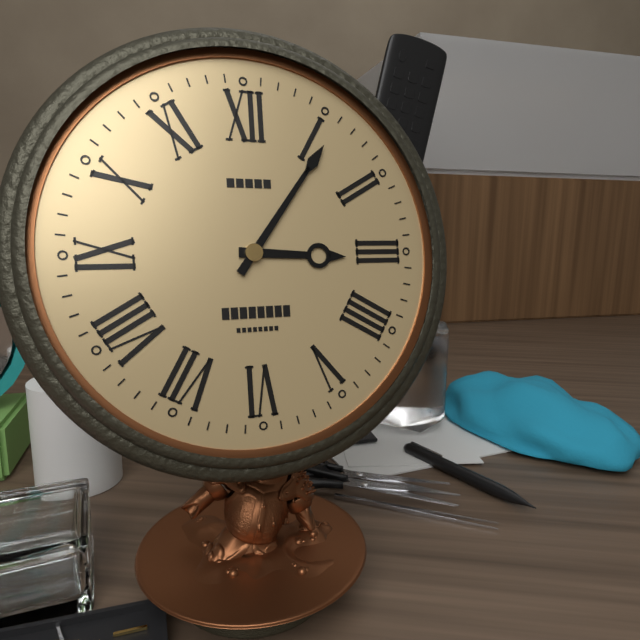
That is 3h06
